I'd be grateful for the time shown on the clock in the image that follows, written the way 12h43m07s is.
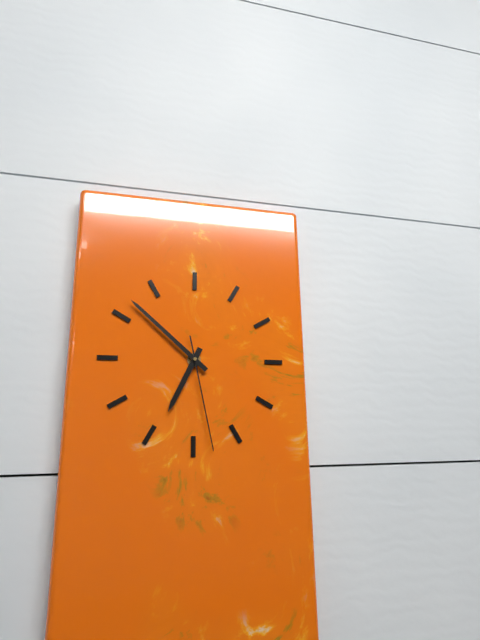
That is 6h52m28s
